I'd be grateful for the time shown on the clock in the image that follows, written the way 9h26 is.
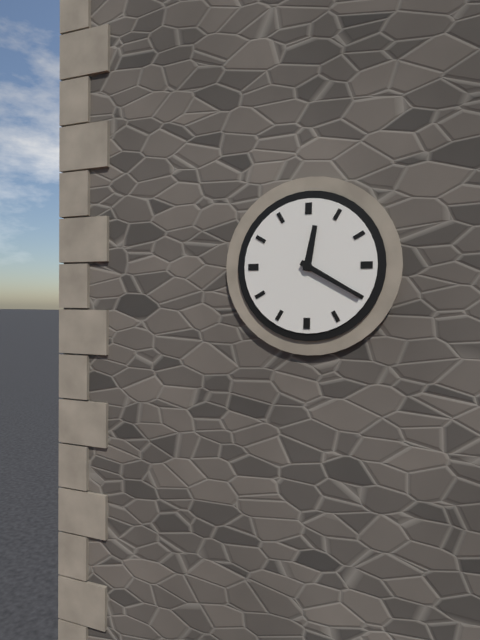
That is 12h20
